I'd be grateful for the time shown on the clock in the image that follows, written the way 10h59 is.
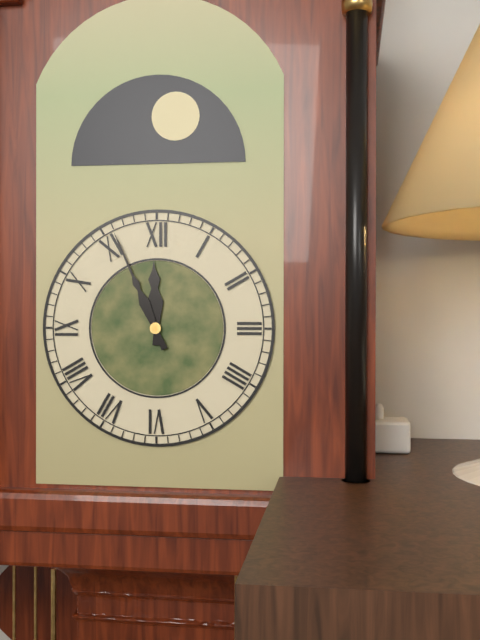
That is 11h56
